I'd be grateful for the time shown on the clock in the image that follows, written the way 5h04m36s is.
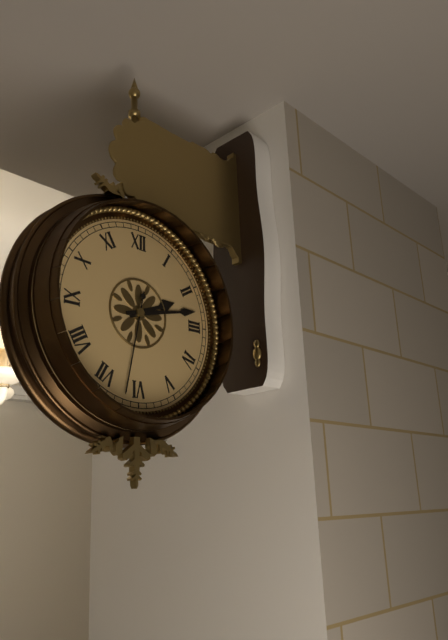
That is 2h13m32s
